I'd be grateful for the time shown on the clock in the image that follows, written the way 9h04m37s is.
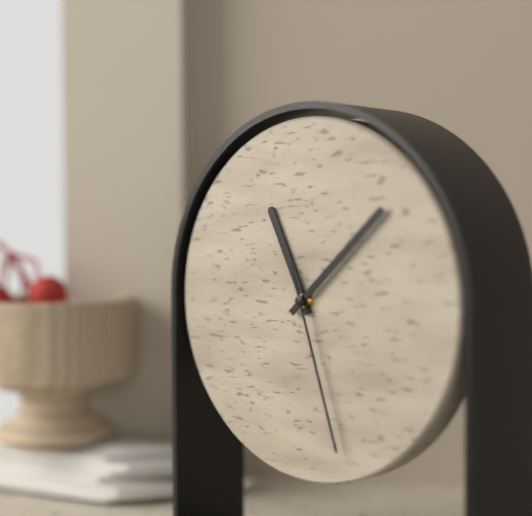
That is 11h08m27s
